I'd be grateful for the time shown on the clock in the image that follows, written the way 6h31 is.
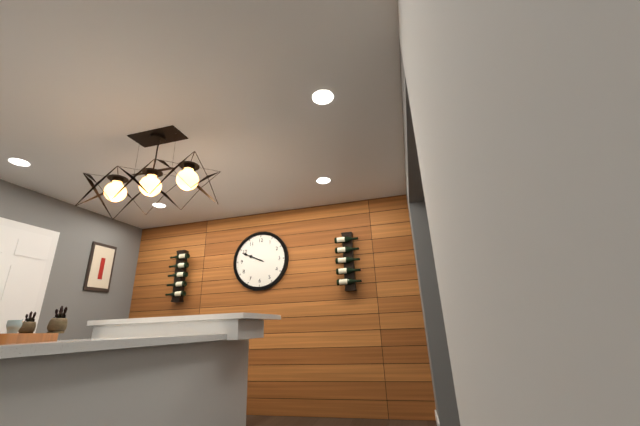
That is 9h49
